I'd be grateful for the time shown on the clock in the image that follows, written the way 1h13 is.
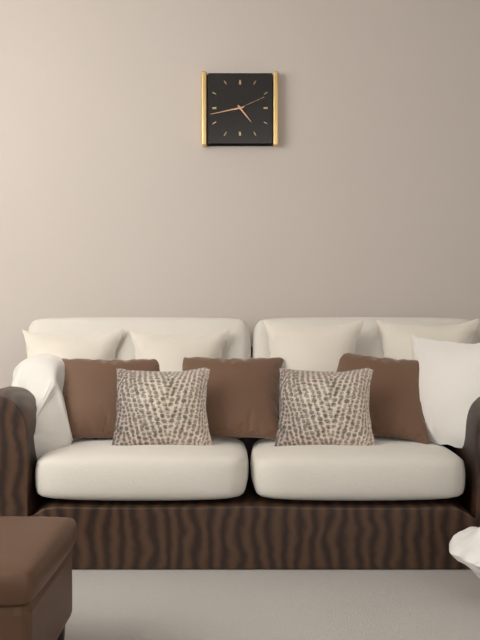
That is 4h43
